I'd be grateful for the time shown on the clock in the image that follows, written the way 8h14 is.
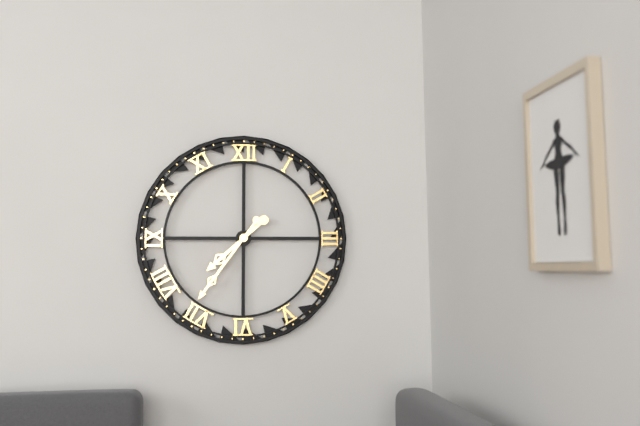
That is 7h36
